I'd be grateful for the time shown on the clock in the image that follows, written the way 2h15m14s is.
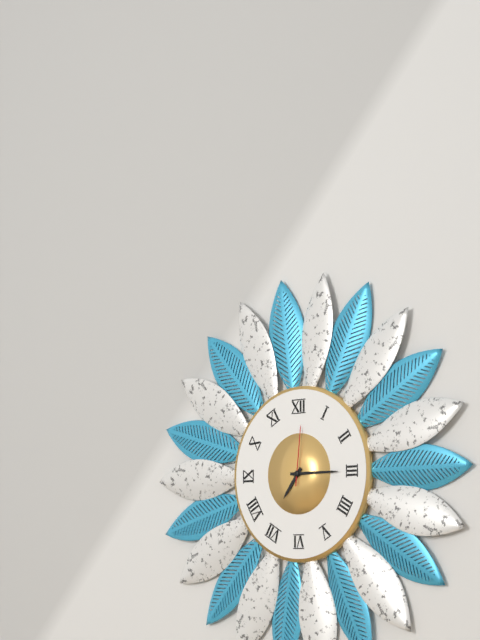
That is 7h15m01s
